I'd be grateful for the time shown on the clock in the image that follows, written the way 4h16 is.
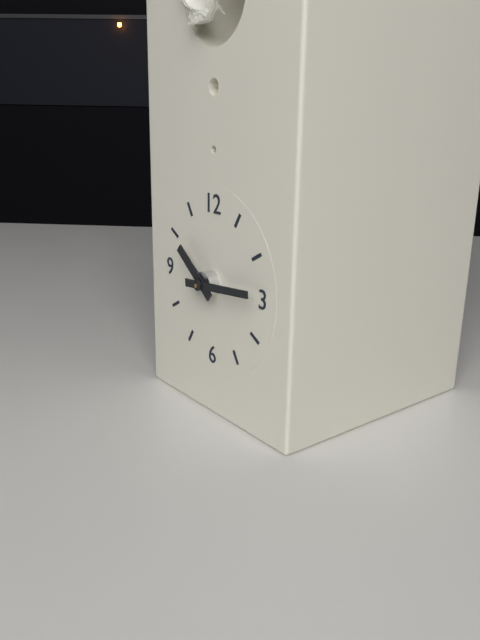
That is 10h14
